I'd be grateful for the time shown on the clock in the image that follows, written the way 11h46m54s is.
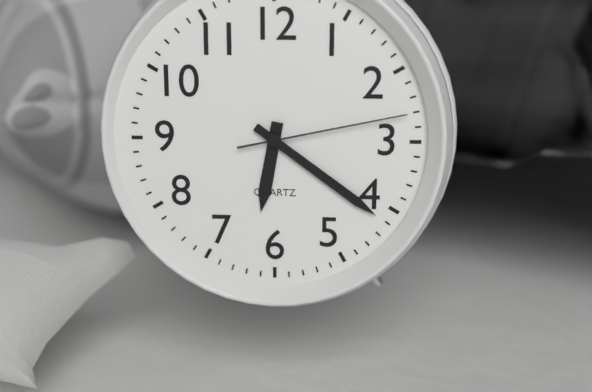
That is 6h21m13s
